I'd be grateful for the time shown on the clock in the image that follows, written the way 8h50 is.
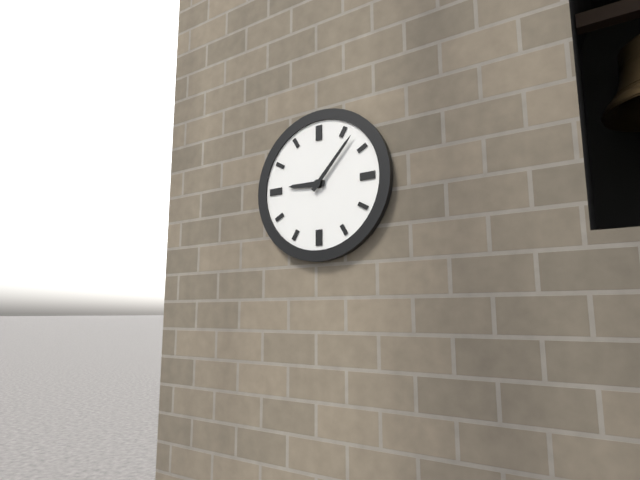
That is 9h07
